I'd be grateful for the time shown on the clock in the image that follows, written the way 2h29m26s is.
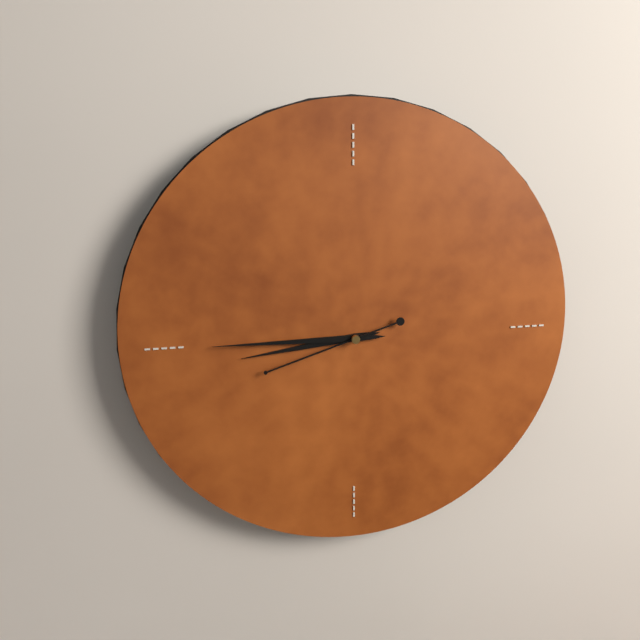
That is 8h45m42s
